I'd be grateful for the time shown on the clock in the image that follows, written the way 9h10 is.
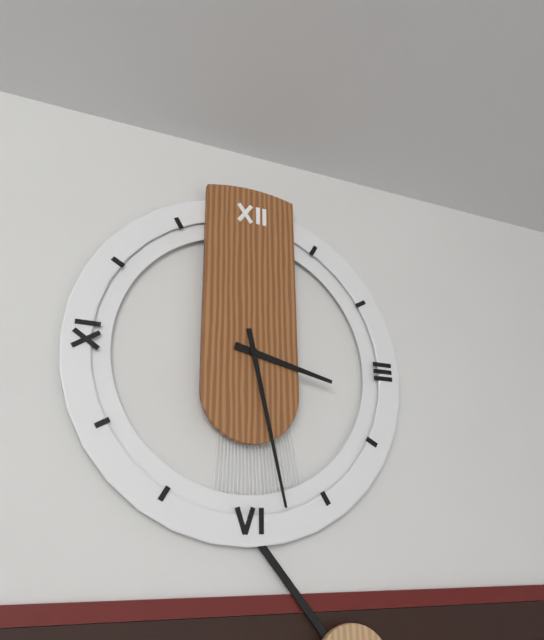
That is 3h28
